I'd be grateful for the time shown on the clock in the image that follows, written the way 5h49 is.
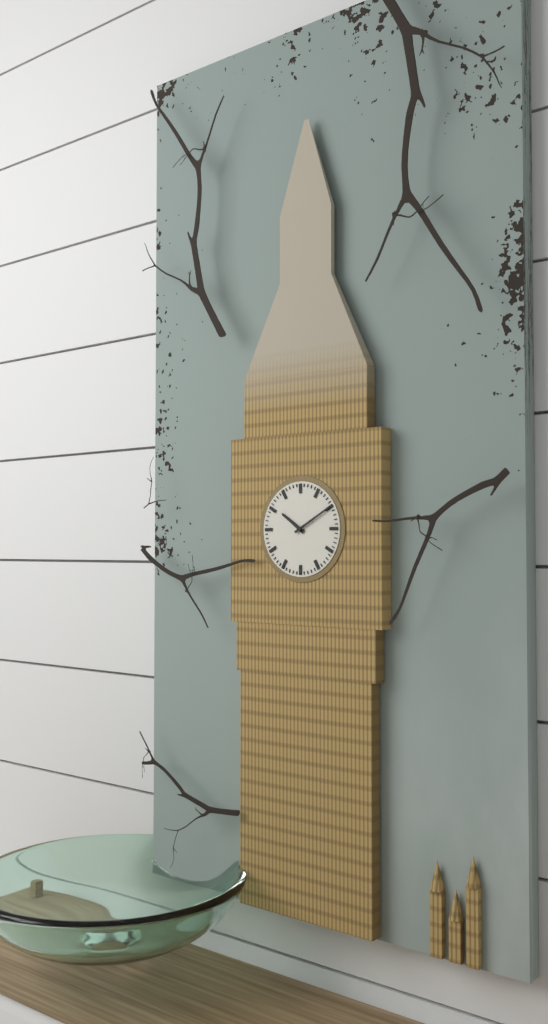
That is 10h10
